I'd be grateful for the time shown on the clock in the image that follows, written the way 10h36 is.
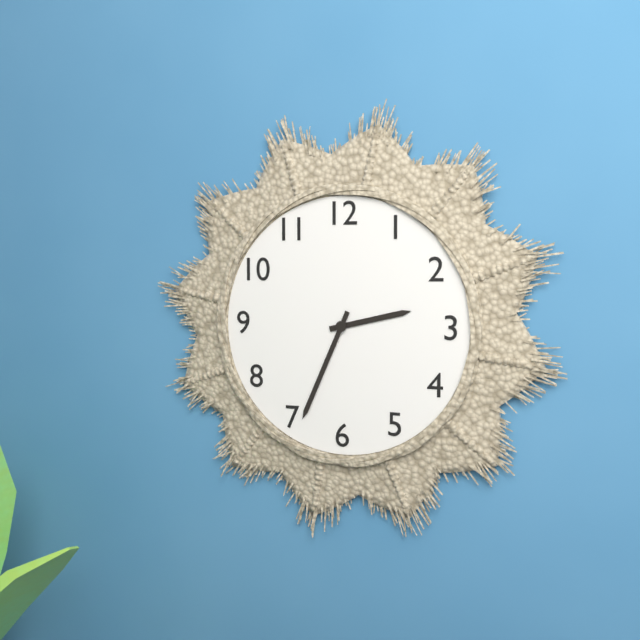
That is 2h34
